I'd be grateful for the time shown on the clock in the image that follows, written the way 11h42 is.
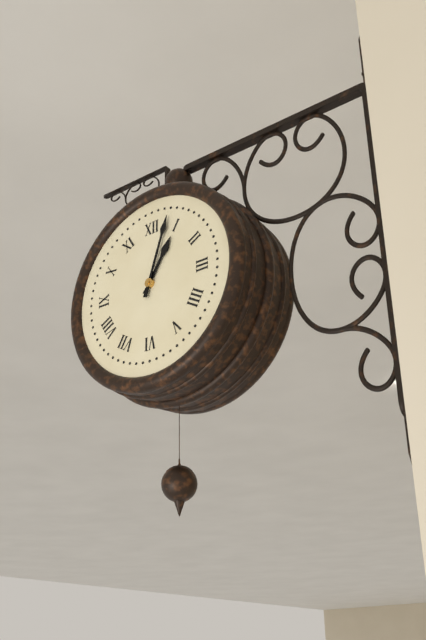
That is 1h03
